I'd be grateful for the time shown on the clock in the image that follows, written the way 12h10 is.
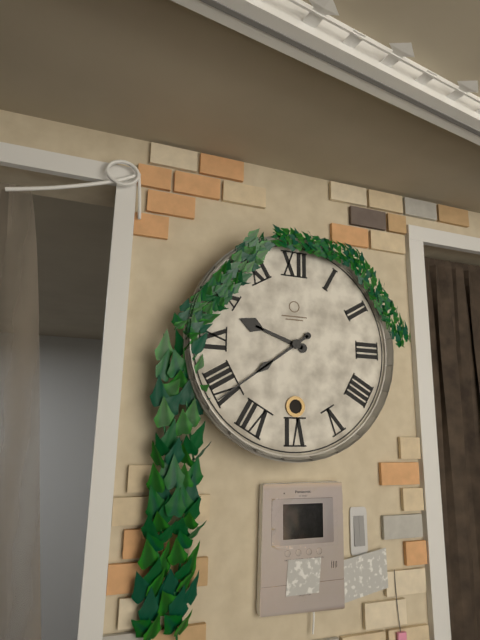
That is 9h39
